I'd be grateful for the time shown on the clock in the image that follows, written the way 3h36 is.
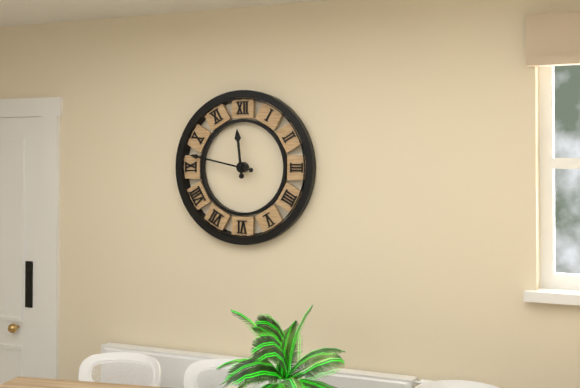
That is 11h47
